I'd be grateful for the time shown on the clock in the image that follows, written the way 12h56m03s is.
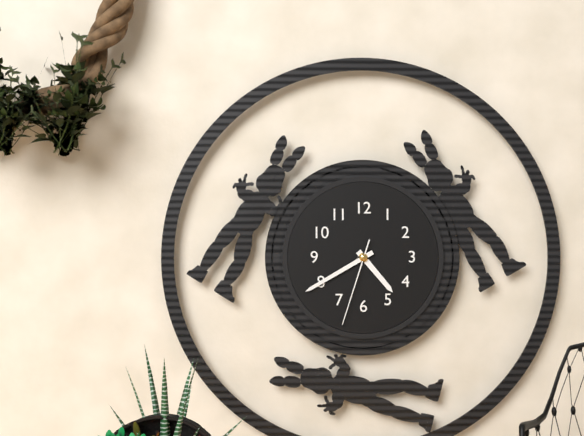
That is 4h40m33s
